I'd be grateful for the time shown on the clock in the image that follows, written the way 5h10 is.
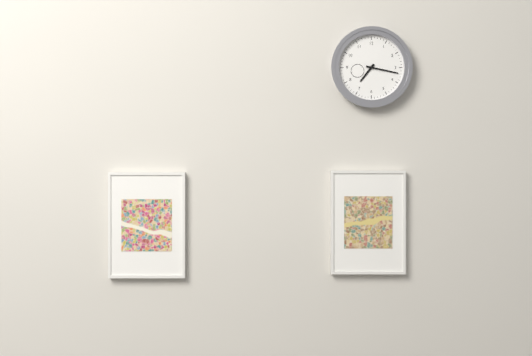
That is 7h17
